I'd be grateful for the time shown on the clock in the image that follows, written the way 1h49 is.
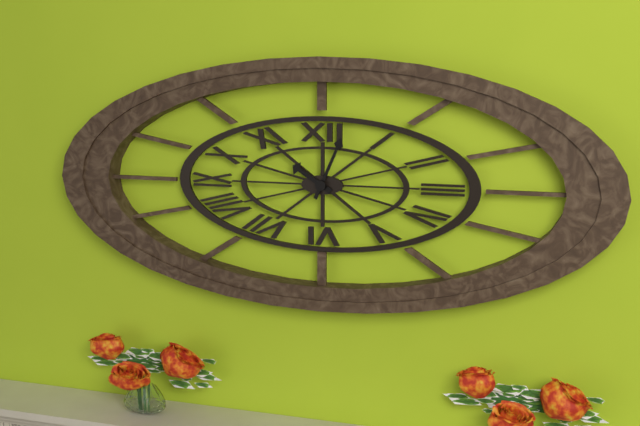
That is 10h04
